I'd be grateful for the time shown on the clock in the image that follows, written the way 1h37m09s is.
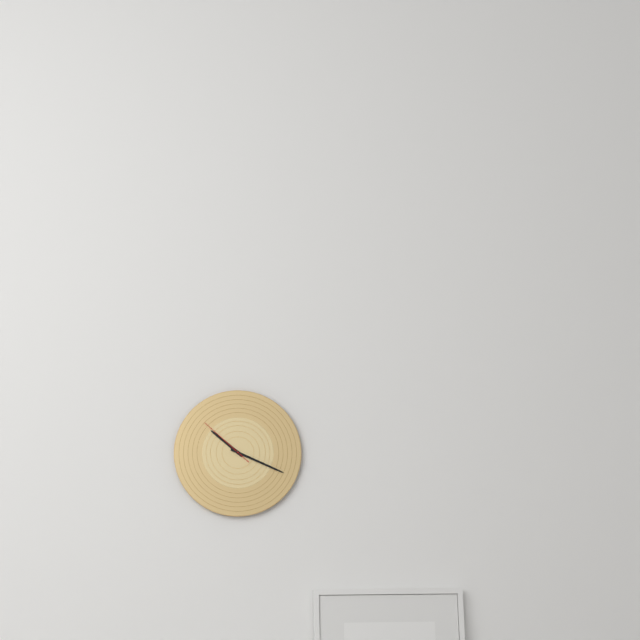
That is 10h19m52s
